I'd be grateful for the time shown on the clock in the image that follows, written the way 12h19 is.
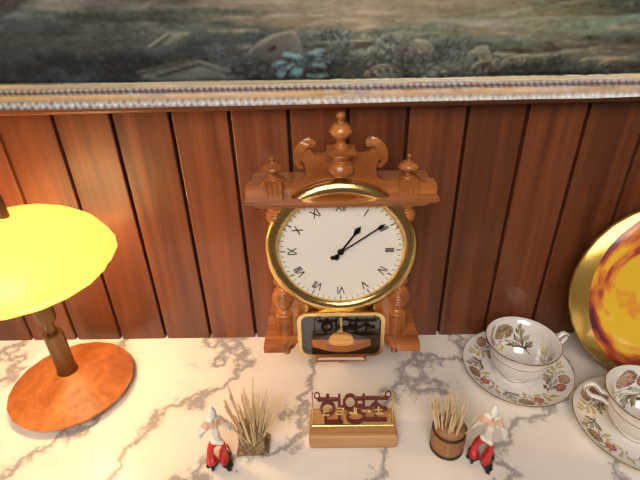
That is 1h09
